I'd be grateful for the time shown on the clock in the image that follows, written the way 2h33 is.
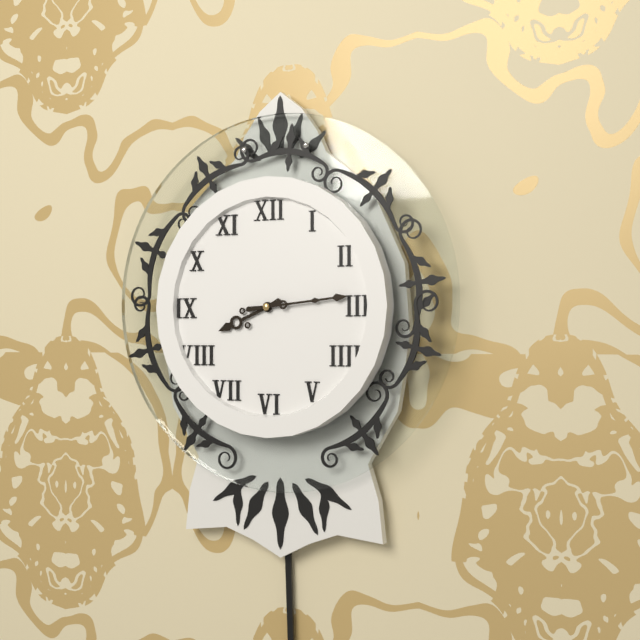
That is 8h14
